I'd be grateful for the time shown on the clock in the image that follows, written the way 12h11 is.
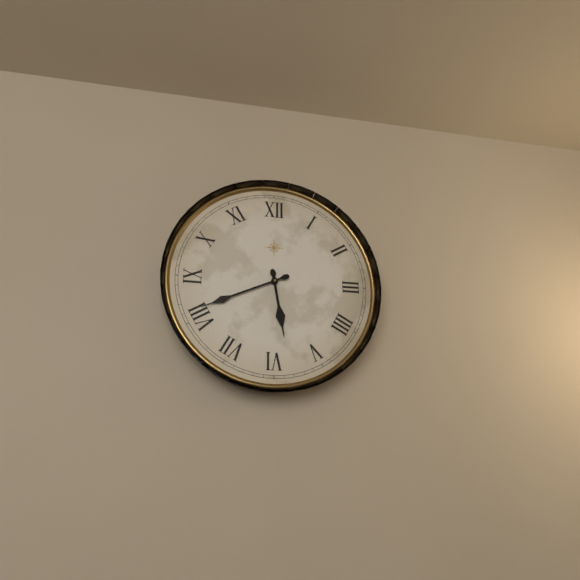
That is 5h41
